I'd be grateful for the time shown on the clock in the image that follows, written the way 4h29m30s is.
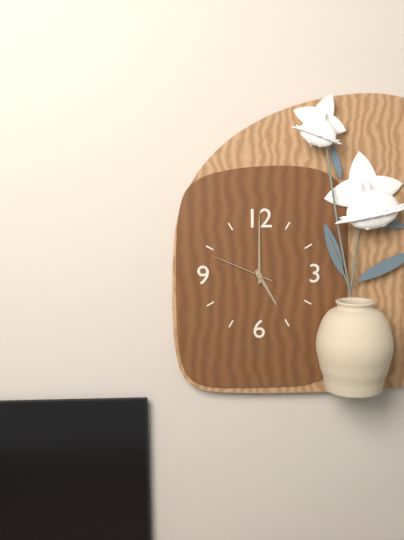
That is 5h00m49s
